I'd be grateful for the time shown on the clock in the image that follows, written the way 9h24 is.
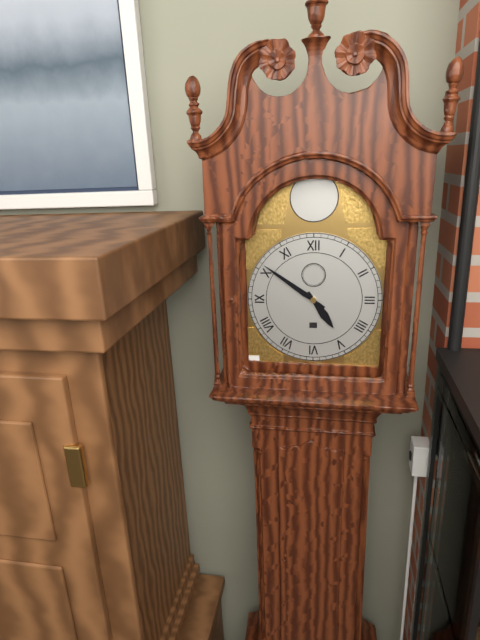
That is 4h51
